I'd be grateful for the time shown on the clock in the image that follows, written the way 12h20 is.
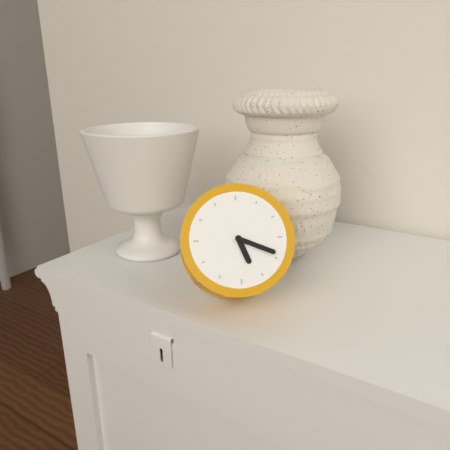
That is 5h19
